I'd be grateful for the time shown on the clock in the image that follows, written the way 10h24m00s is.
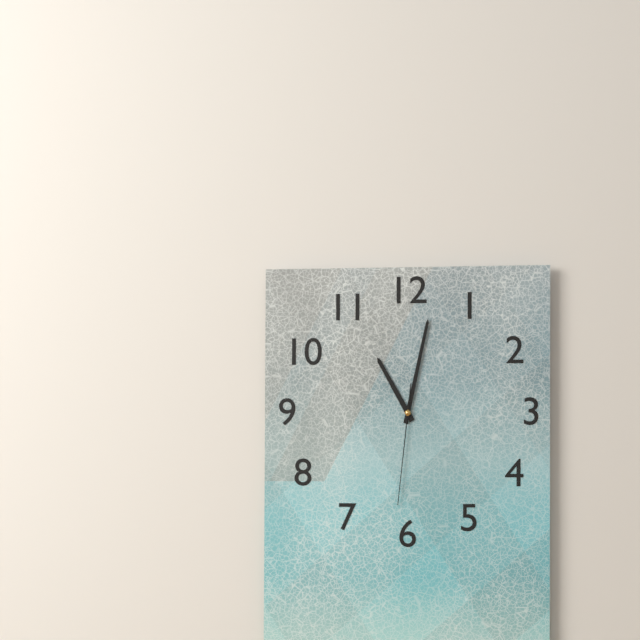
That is 11h02m31s
